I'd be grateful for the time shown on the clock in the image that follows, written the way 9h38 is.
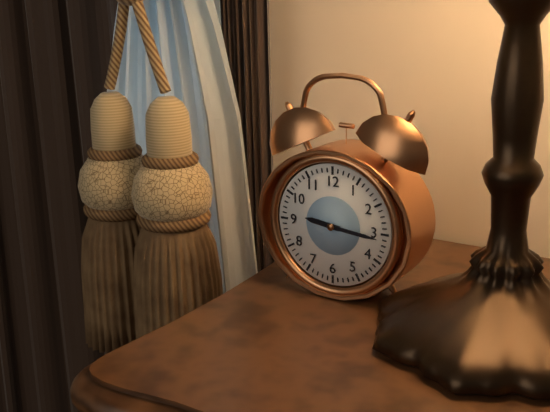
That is 9h16
